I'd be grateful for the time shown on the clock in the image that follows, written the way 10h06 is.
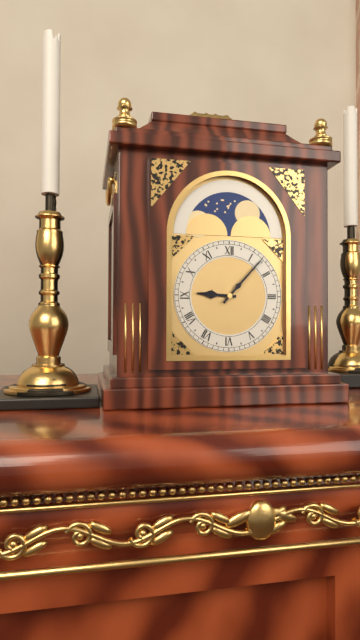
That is 9h07
